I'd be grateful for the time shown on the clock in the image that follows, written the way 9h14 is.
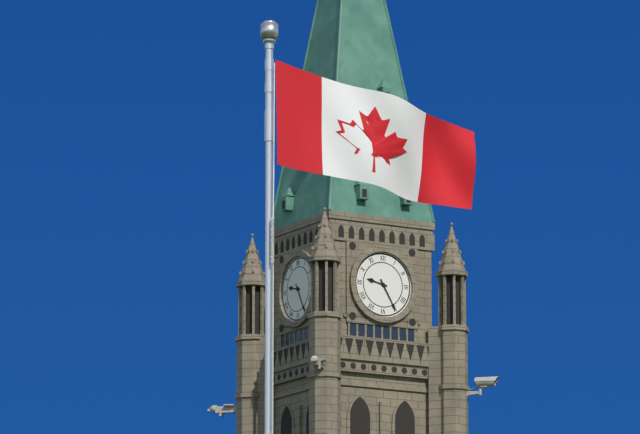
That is 9h25
